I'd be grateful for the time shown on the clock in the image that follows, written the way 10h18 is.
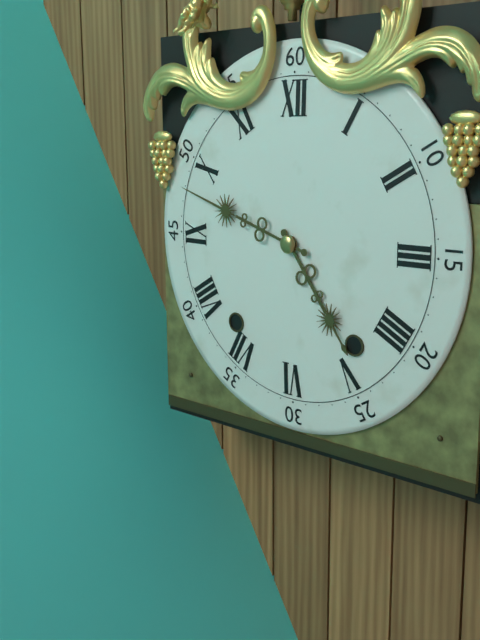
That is 4h48
